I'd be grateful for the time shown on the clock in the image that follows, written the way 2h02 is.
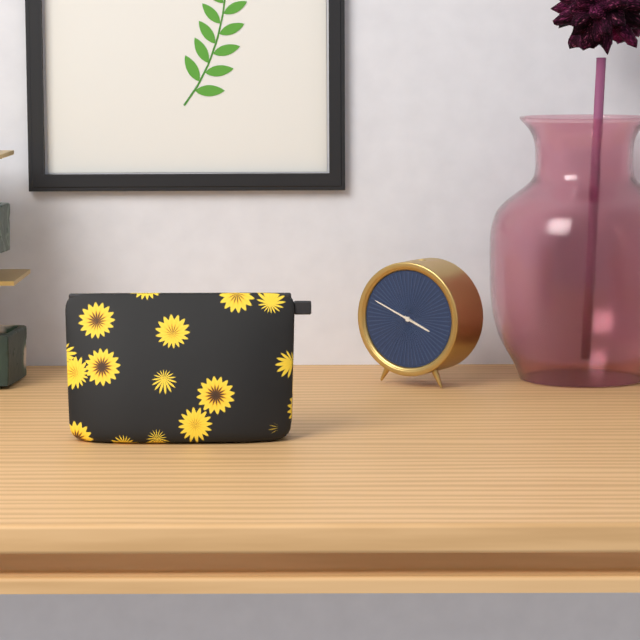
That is 3h49
